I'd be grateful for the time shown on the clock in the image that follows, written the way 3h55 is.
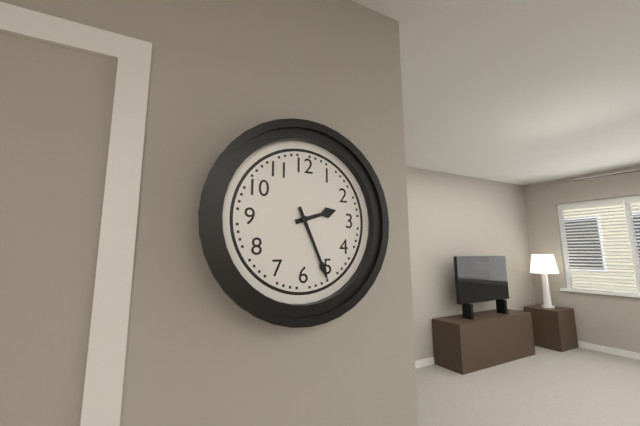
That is 2h26
